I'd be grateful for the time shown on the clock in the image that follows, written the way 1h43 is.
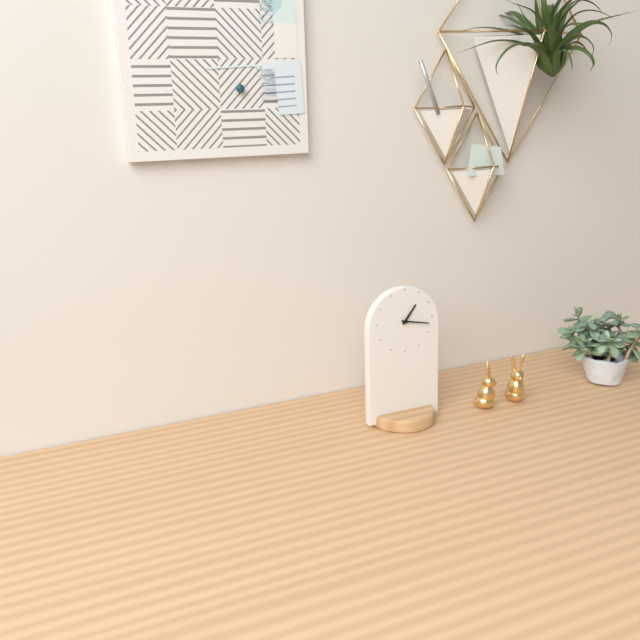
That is 1h17
